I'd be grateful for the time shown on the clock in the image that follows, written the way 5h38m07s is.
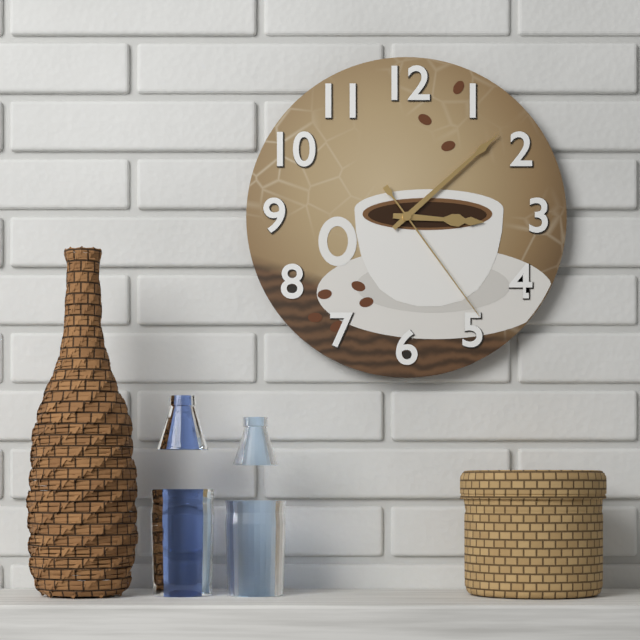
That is 3h08m24s
